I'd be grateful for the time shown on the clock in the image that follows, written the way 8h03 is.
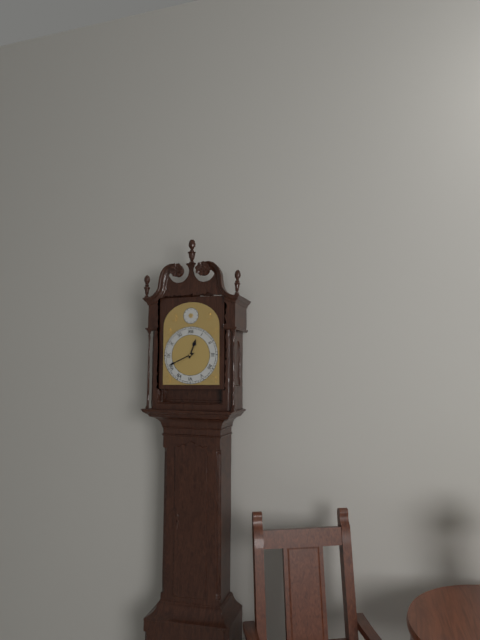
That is 12h41
